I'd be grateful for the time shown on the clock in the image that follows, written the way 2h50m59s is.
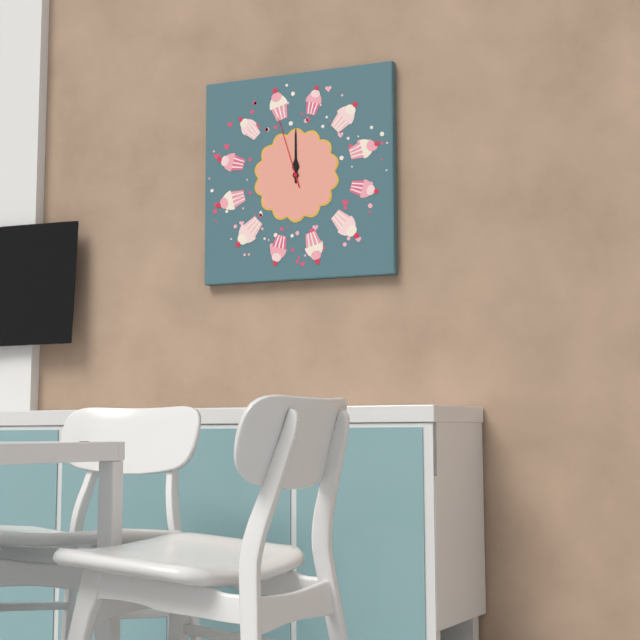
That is 12h00m57s
